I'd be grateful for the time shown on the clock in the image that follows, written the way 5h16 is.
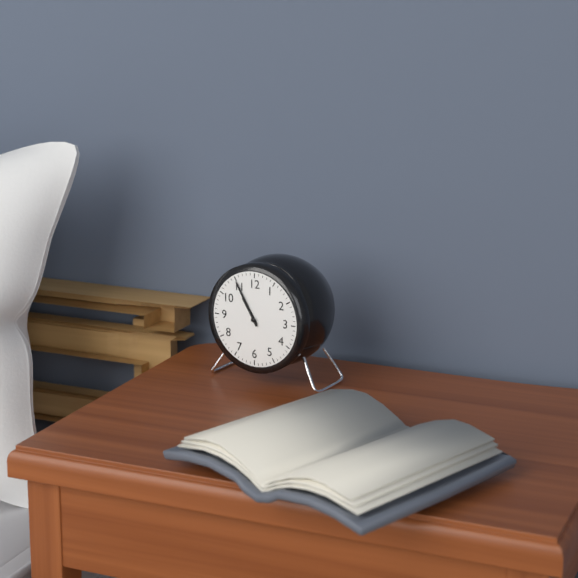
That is 10h55
